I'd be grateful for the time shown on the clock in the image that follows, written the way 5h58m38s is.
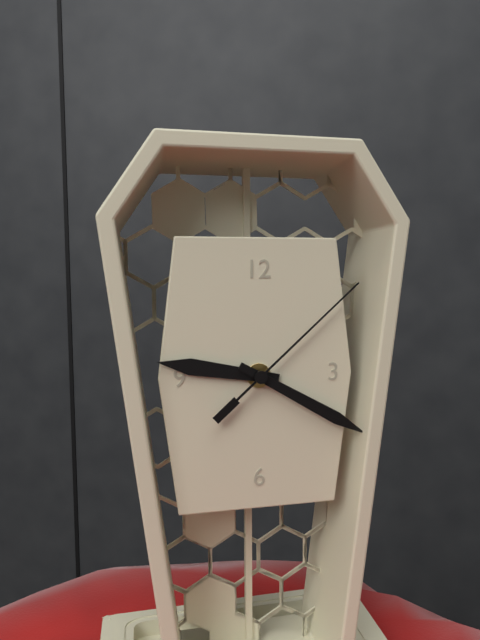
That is 9h20m08s
